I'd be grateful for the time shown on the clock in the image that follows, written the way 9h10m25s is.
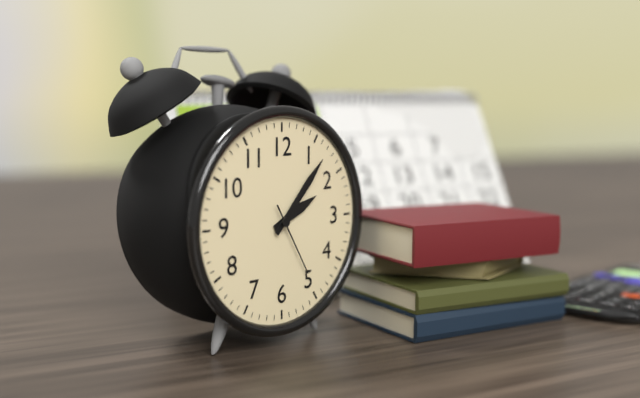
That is 2h07m25s
